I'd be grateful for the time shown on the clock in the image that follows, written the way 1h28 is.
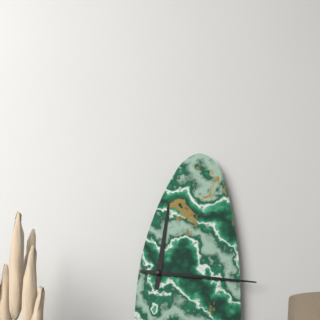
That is 12h16
